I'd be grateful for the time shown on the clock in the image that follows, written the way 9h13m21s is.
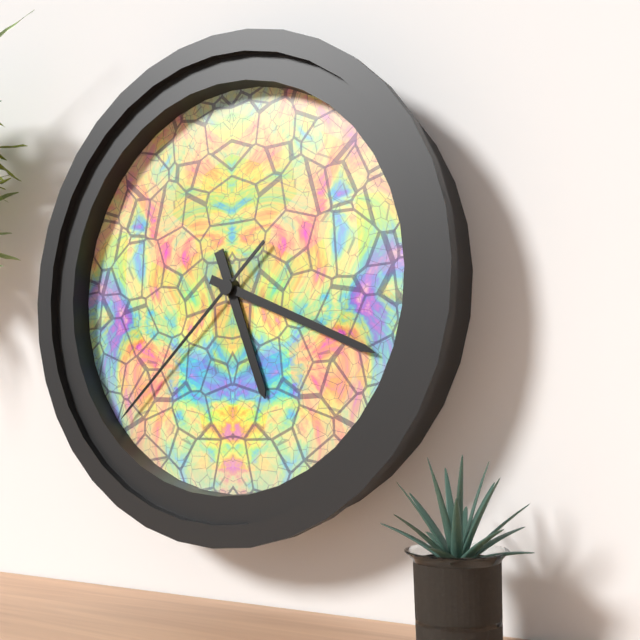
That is 5h19m38s
